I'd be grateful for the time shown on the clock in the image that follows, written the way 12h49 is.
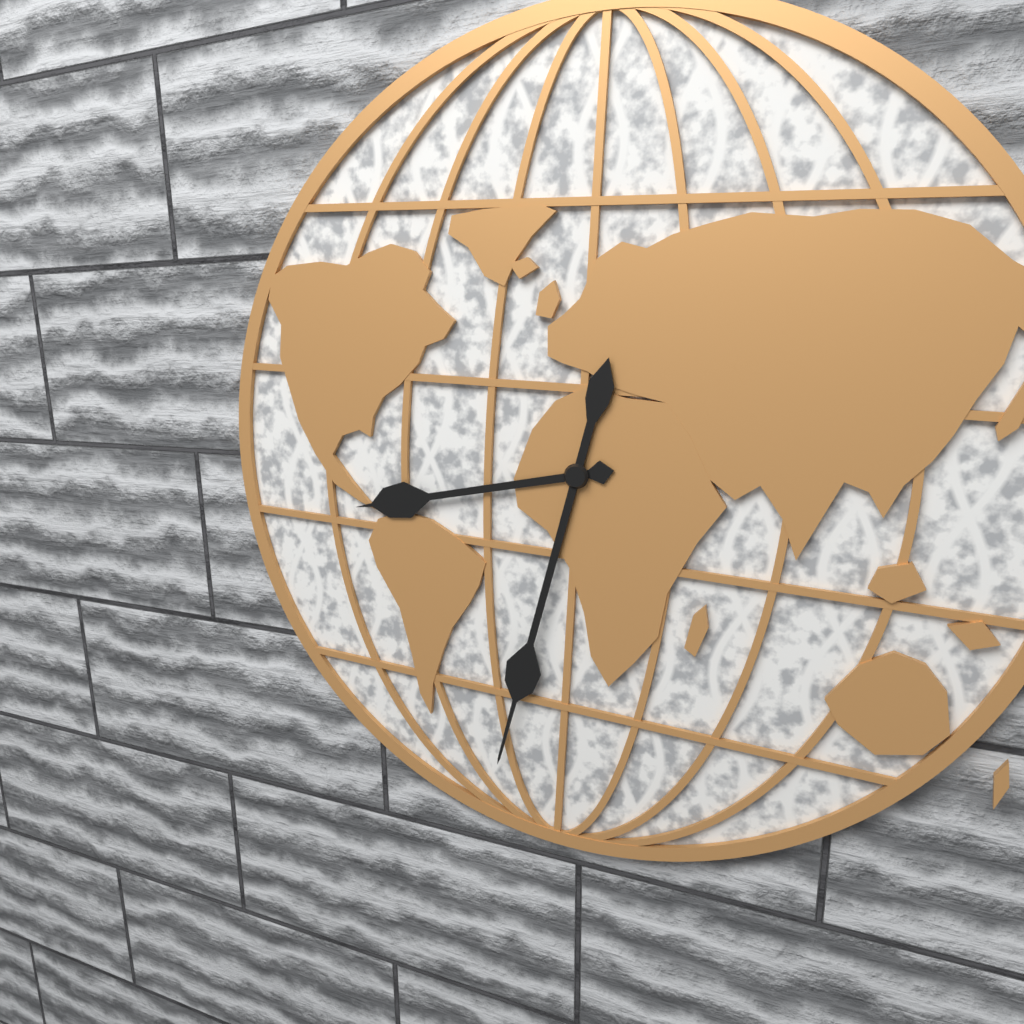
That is 8h32
